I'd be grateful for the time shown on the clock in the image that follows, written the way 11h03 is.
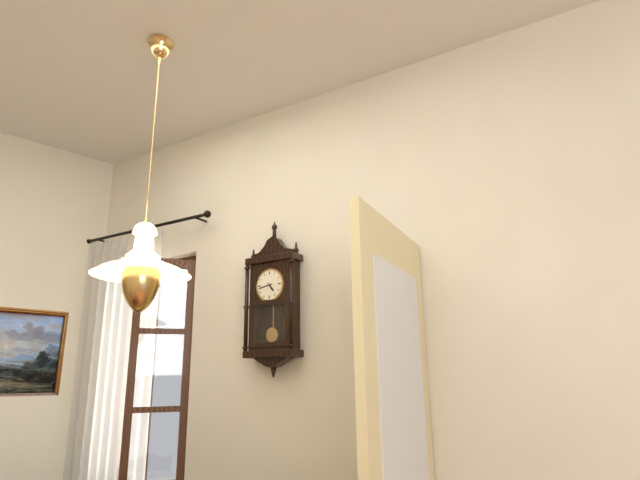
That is 4h43
